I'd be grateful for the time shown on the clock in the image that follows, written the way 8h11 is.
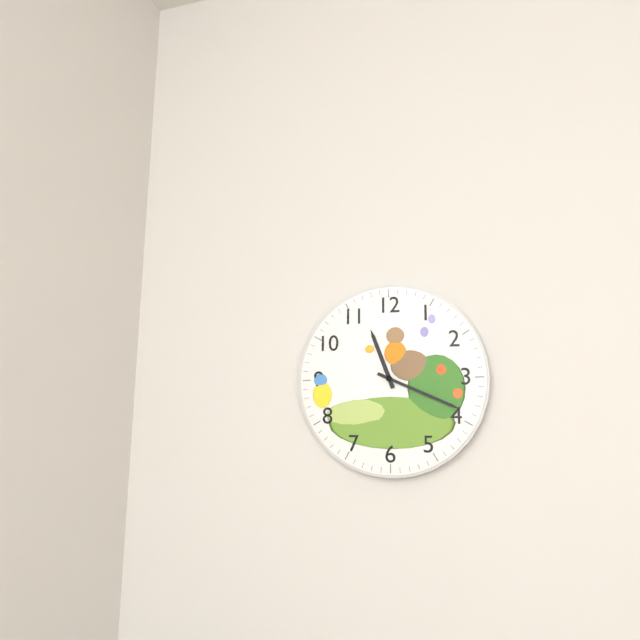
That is 11h19
